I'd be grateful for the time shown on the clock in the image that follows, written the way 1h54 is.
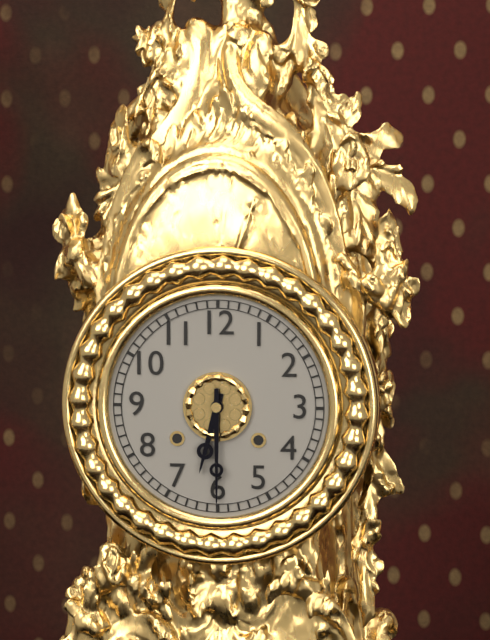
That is 6h30
